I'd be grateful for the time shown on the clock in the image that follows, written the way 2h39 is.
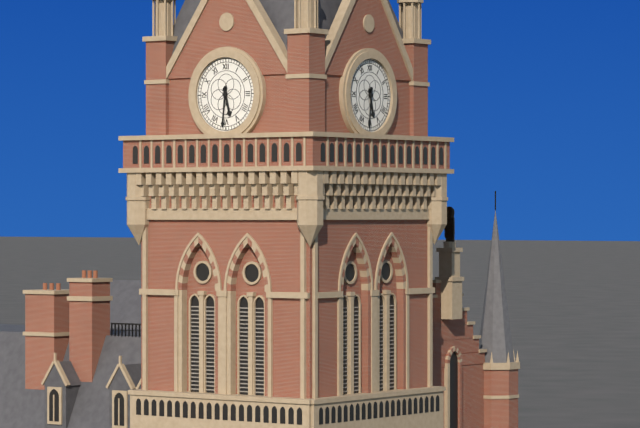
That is 5h31
